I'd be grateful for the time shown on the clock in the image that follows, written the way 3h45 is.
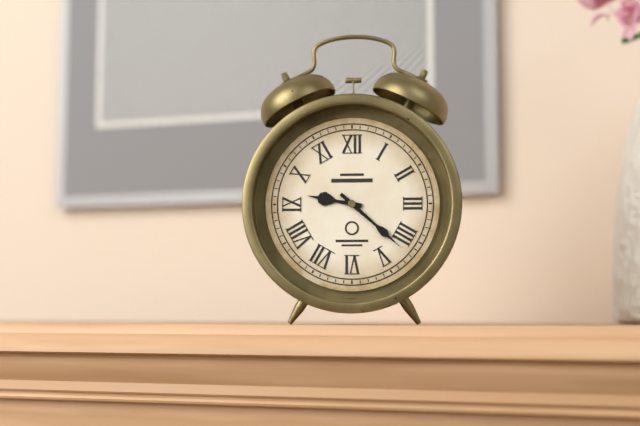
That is 9h22
